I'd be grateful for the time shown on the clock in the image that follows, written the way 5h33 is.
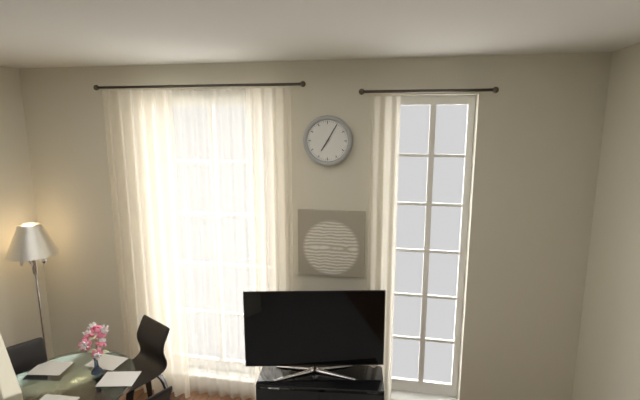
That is 7h05
